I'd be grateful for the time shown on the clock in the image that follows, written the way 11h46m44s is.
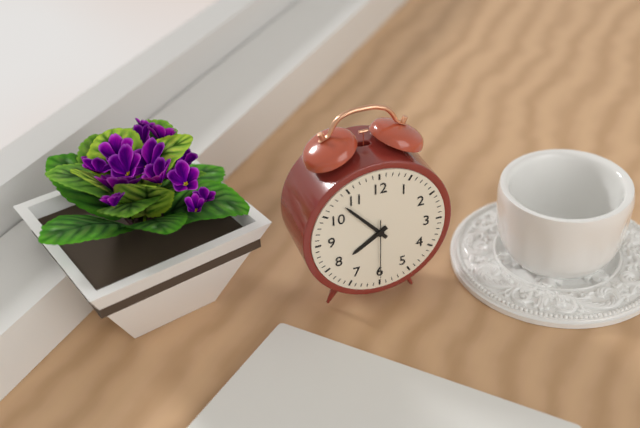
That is 7h53m30s
